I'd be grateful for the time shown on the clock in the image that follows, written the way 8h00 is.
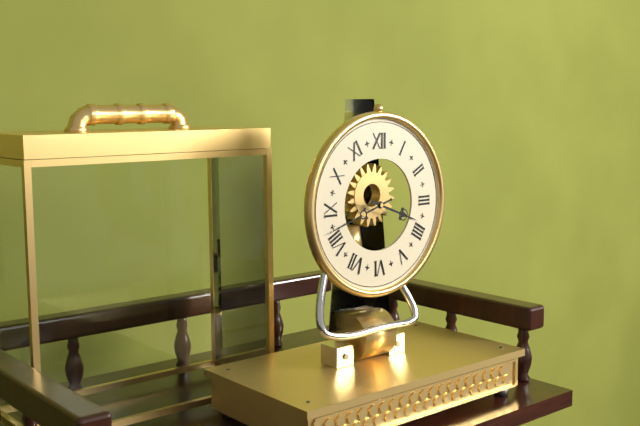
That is 3h42
